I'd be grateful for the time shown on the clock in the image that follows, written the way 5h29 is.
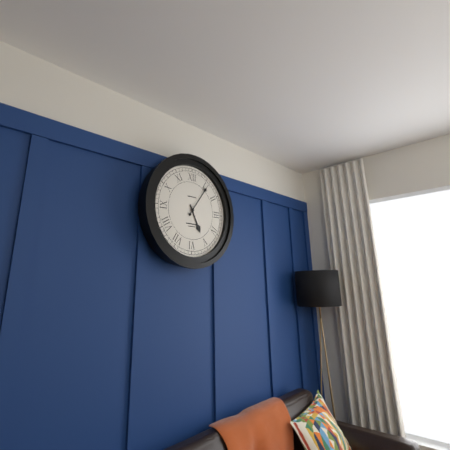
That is 5h06
